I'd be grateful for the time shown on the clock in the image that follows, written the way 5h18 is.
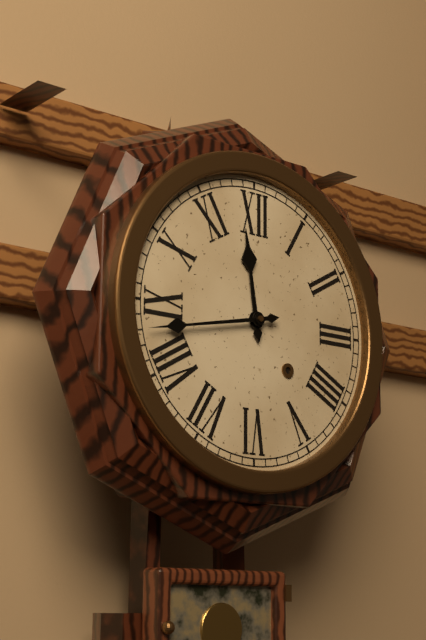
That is 11h43
